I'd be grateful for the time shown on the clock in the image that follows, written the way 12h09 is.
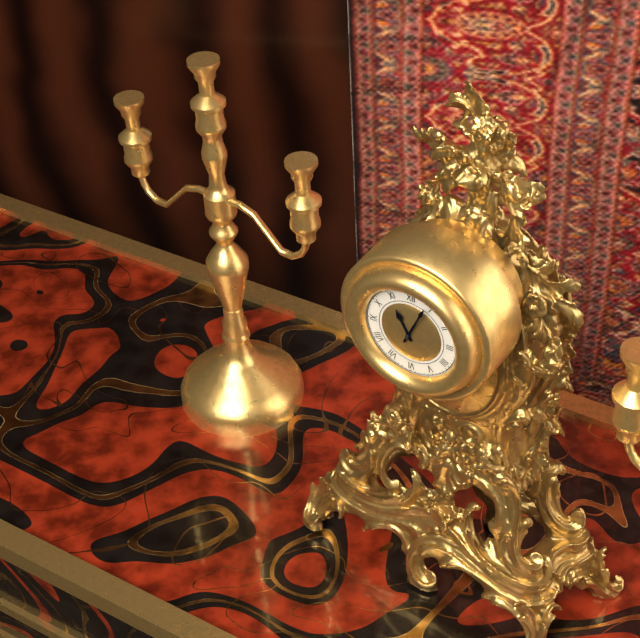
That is 11h04
